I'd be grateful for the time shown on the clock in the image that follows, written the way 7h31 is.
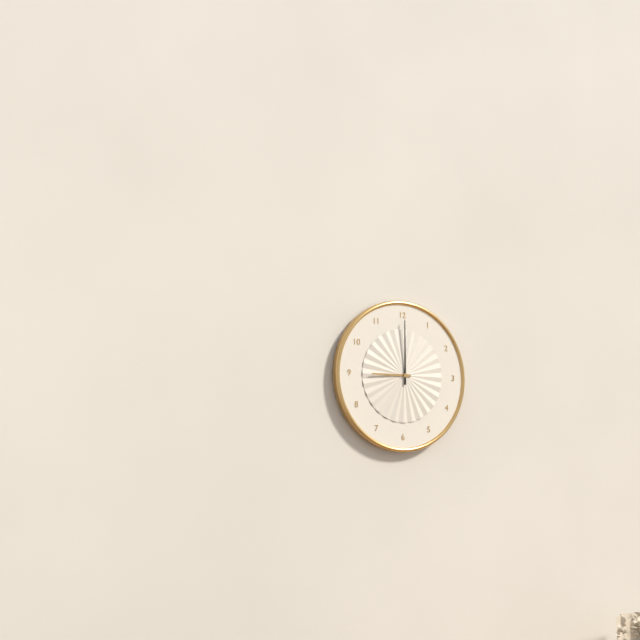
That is 9h00
